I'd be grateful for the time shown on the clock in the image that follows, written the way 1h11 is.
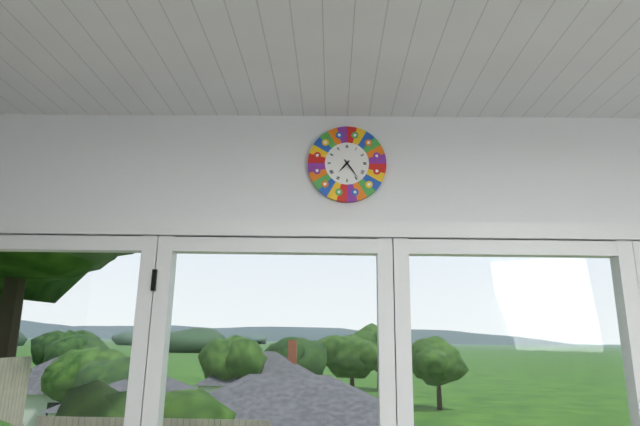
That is 7h24
